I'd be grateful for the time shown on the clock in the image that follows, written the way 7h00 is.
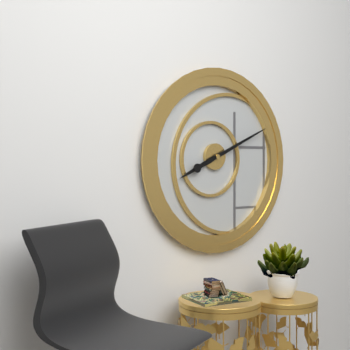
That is 8h11
